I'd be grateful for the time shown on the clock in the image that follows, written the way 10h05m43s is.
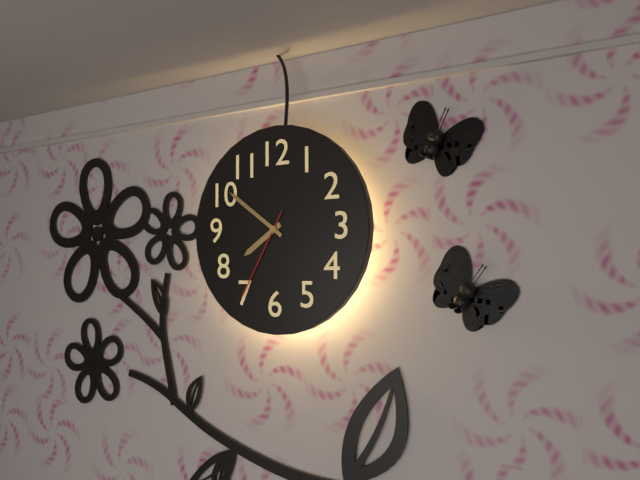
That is 7h51m35s
